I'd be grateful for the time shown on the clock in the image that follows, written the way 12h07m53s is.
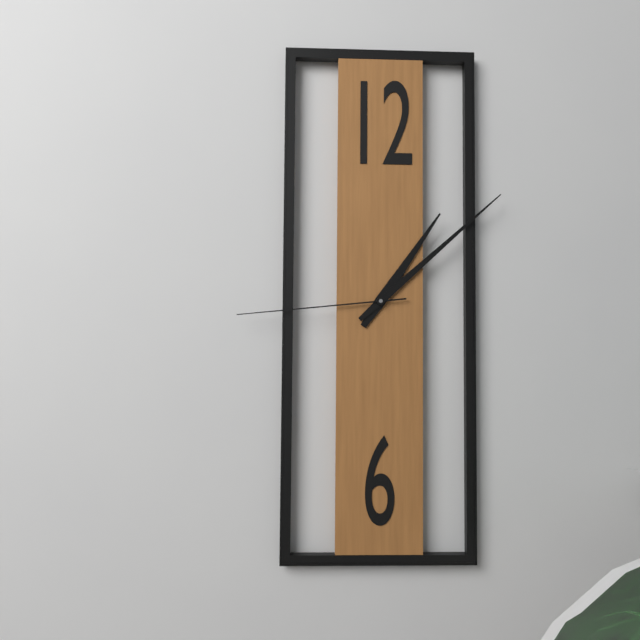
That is 1h08m44s
